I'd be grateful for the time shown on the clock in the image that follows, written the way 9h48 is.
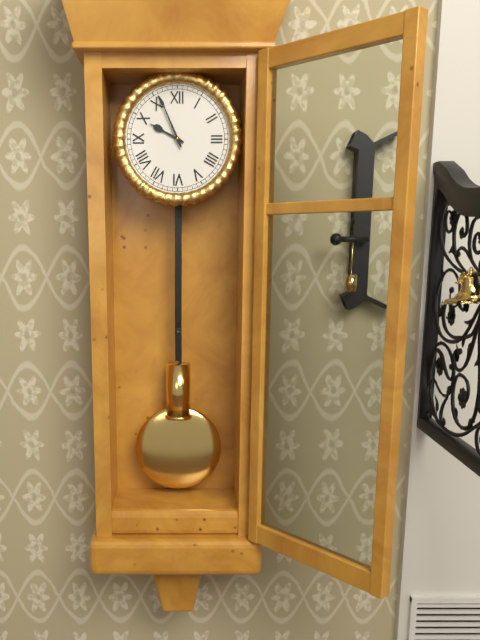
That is 9h56
